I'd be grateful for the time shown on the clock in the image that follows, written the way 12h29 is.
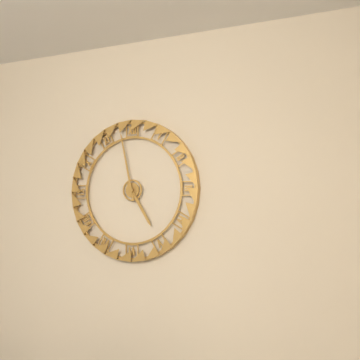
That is 4h58
